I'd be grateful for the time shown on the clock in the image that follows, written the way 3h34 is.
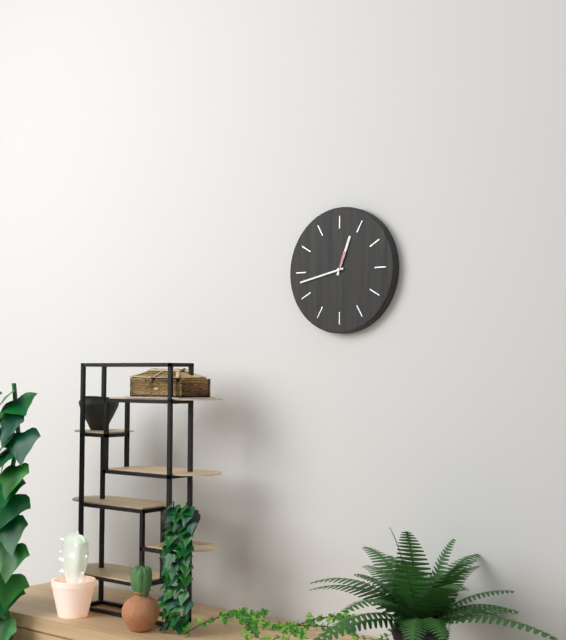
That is 12h43
